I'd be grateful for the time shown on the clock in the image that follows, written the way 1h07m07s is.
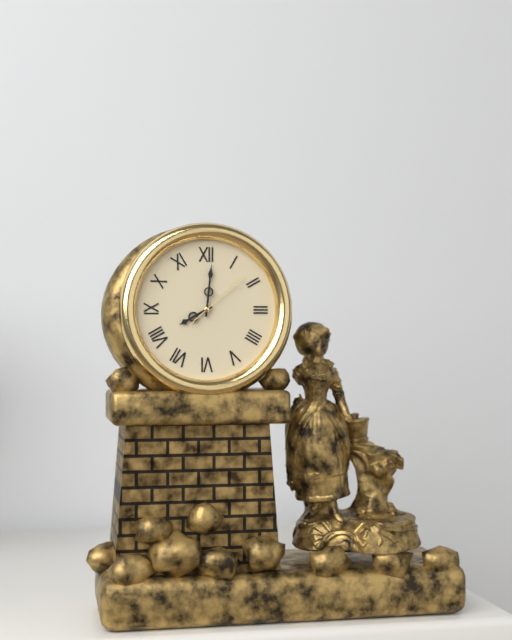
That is 8h01m08s
